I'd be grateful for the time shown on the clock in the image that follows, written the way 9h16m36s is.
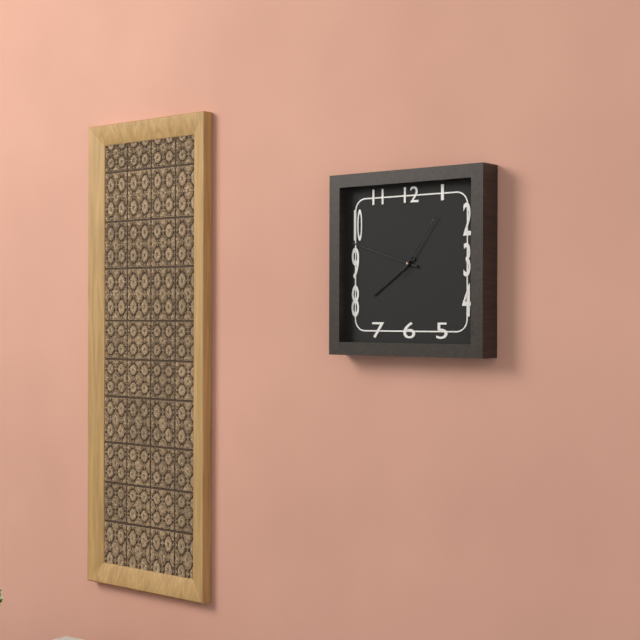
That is 7h48m06s
